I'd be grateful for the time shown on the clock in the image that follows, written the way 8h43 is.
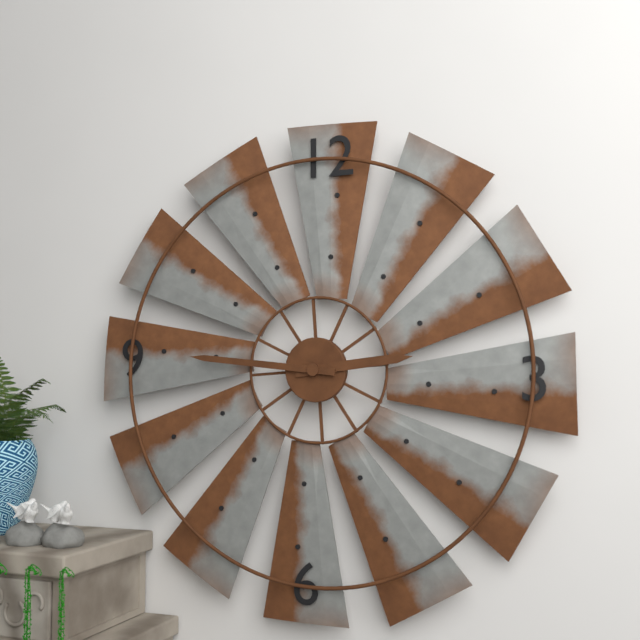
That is 2h46
